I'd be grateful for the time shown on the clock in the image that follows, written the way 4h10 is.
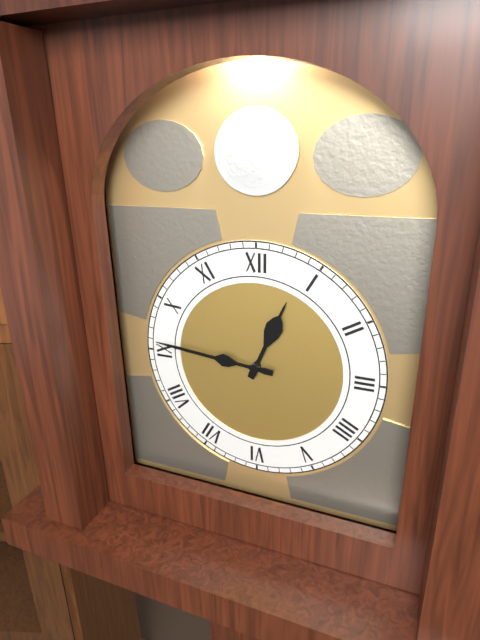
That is 12h46
